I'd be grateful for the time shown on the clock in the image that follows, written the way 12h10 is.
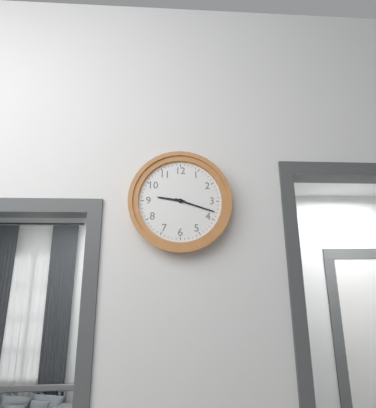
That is 9h18
